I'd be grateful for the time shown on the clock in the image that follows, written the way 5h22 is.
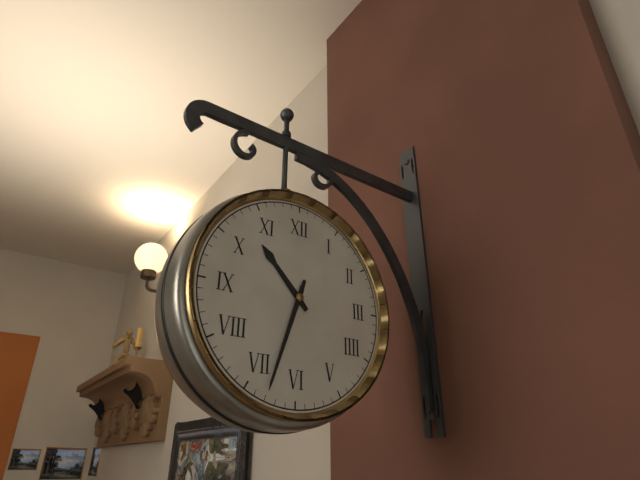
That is 10h33
